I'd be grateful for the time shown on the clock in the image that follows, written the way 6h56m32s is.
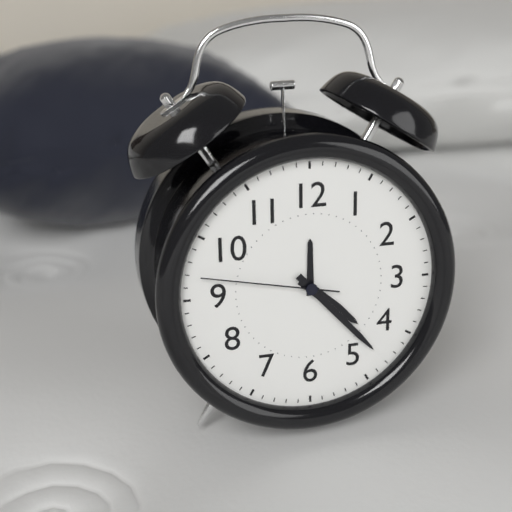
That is 4h23m47s
